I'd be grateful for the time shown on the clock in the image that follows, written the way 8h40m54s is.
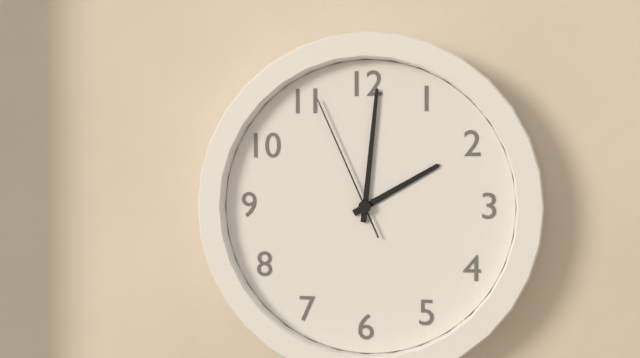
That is 2h01m56s
